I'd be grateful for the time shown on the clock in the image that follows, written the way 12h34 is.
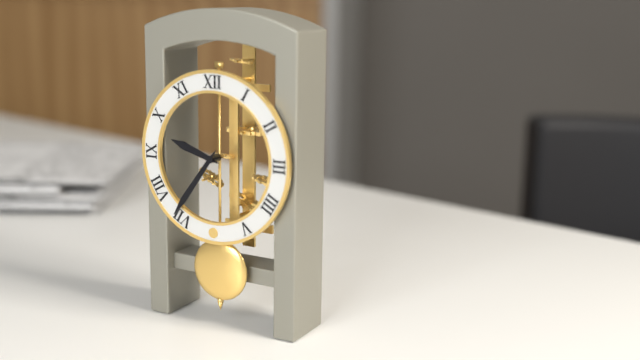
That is 9h36
